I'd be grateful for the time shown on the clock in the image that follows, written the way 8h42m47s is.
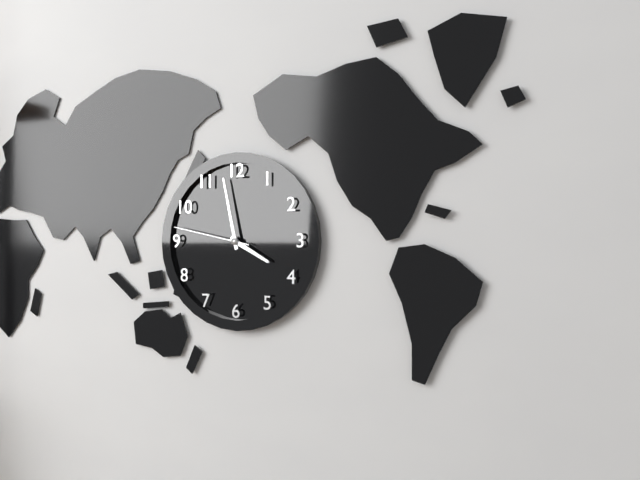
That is 3h58m47s
